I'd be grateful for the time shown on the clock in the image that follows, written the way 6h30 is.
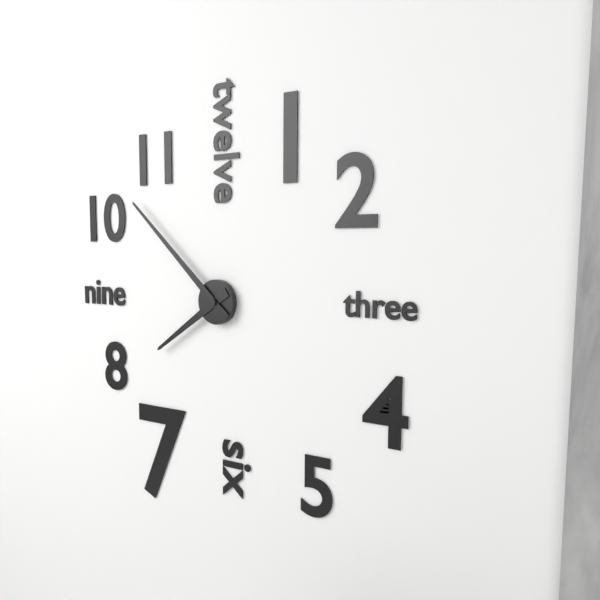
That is 7h52
